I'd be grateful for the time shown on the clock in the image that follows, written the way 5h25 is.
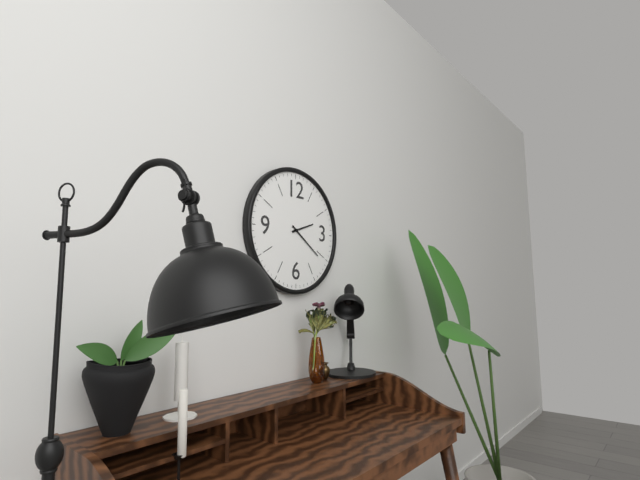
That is 2h21
